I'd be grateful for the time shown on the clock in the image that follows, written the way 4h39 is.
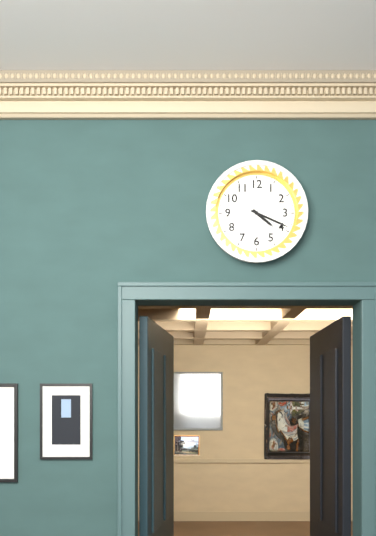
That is 4h19
